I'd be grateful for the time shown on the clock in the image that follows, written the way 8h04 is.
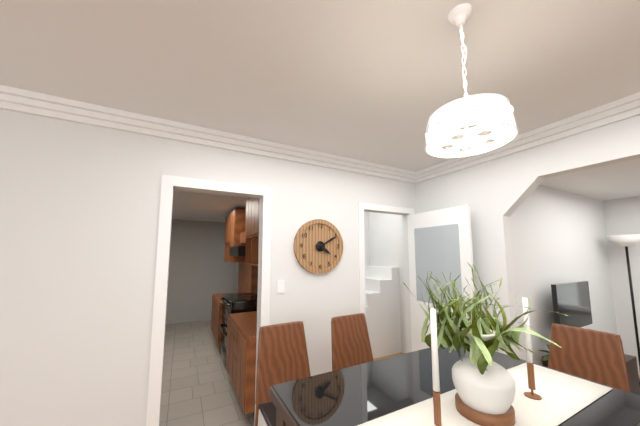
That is 4h10
